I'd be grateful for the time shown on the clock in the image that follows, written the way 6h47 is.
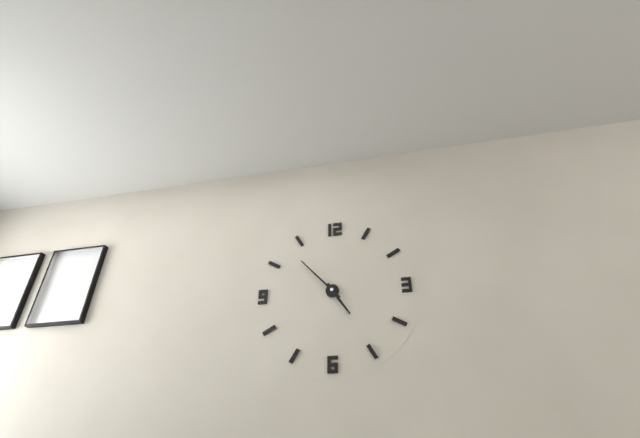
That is 4h53
